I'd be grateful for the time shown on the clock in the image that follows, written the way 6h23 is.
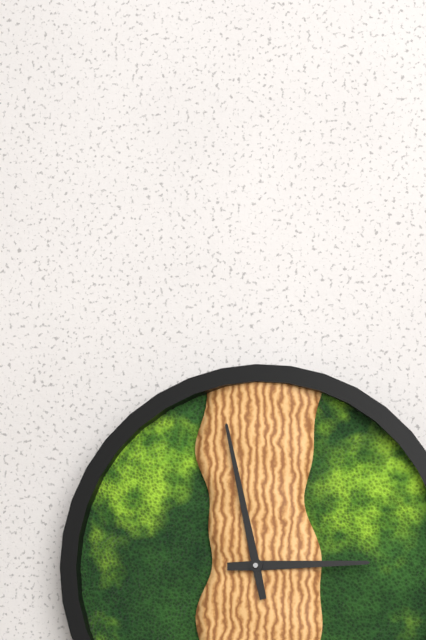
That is 2h58
